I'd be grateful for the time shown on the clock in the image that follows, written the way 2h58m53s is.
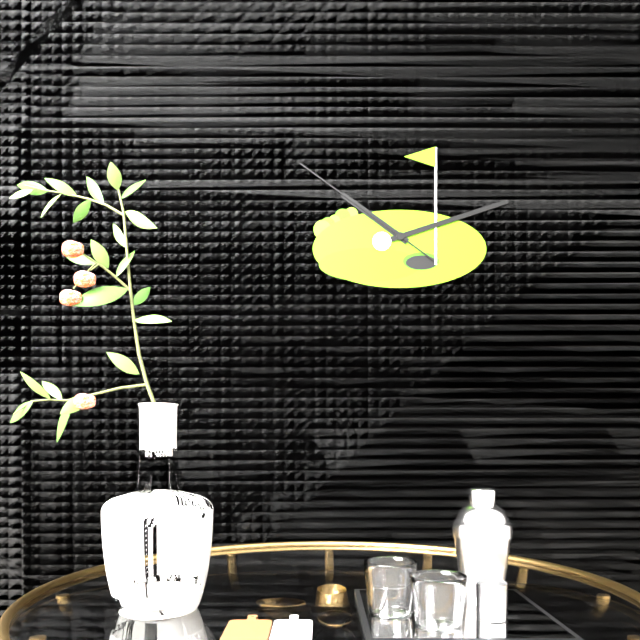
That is 10h12m51s
